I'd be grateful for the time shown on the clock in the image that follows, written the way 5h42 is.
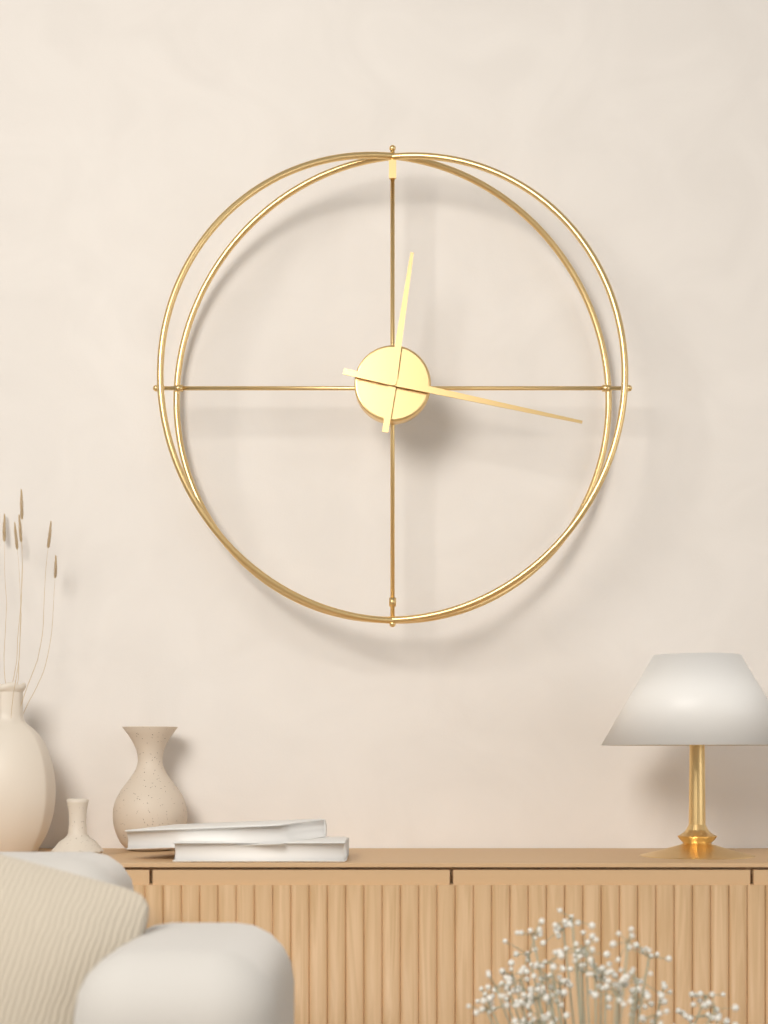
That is 12h17
